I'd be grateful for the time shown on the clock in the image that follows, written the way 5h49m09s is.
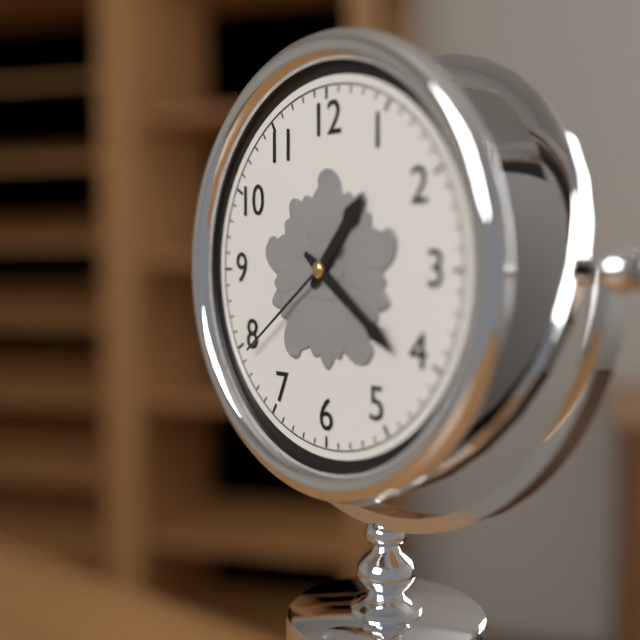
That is 1h21m39s
